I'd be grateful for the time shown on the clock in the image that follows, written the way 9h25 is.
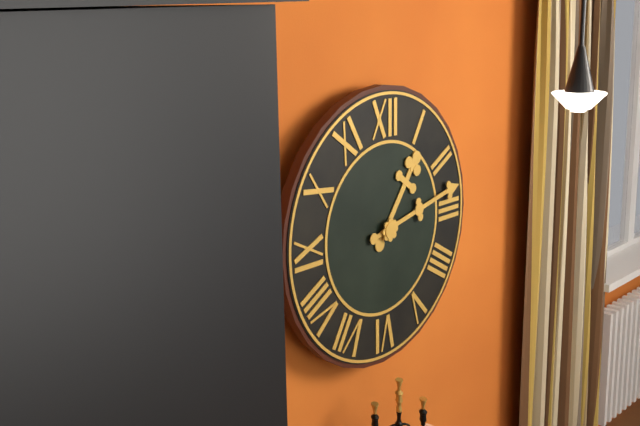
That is 1h13
